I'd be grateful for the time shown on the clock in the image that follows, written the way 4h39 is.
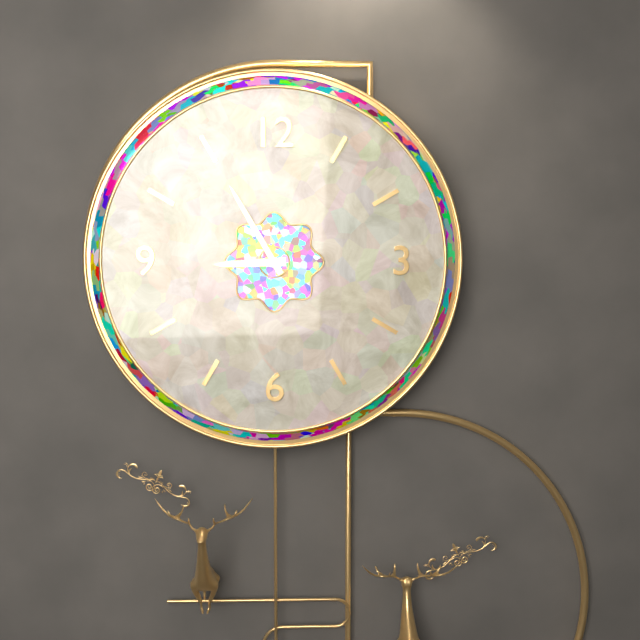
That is 8h55
